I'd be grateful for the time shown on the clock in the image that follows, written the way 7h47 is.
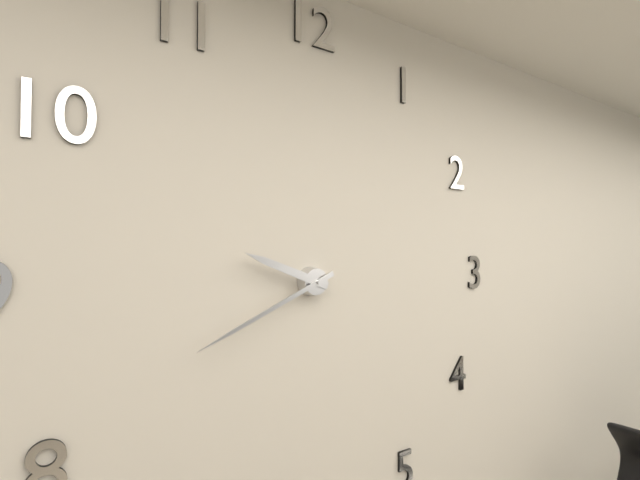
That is 9h41
